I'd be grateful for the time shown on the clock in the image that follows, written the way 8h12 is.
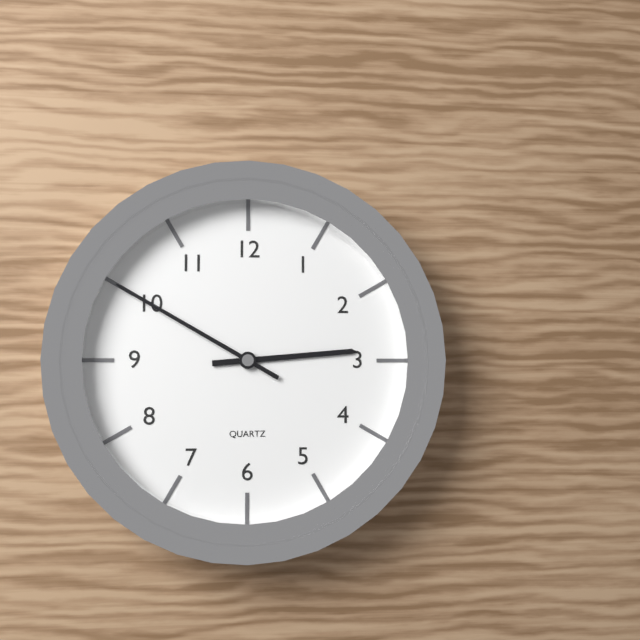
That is 2h50
